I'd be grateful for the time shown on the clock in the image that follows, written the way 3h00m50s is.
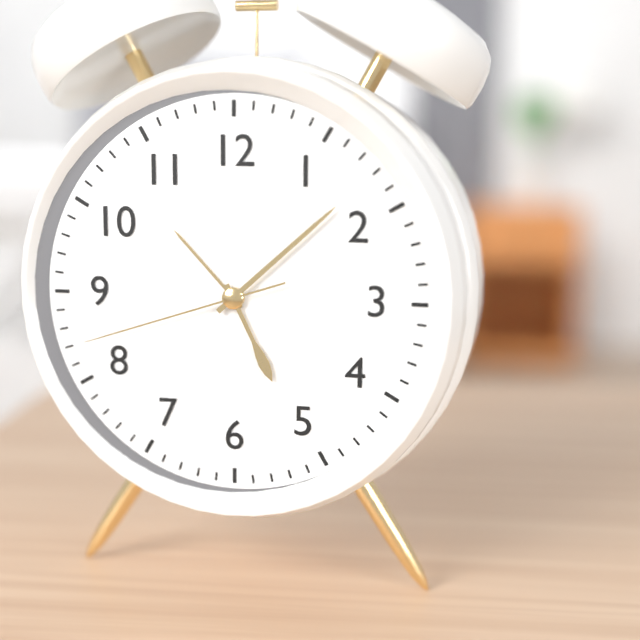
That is 5h08m42s
